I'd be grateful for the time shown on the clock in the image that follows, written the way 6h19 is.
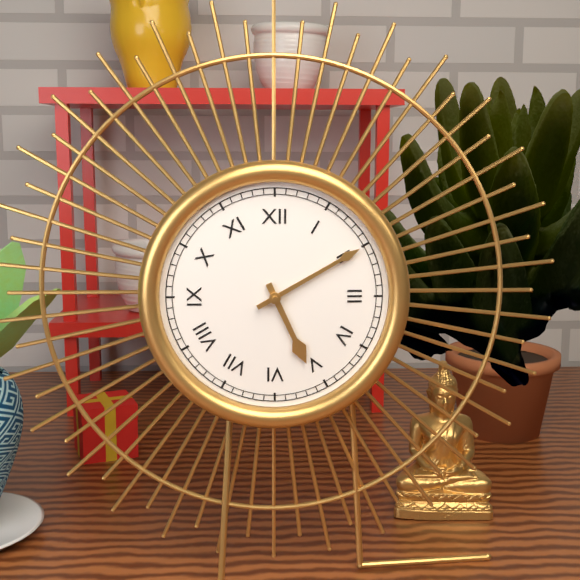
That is 5h10
